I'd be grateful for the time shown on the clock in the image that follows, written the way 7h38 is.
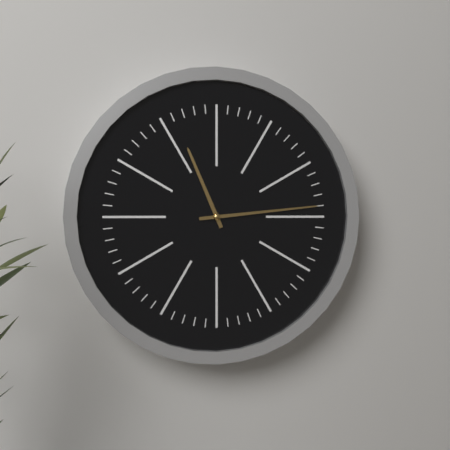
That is 11h14
